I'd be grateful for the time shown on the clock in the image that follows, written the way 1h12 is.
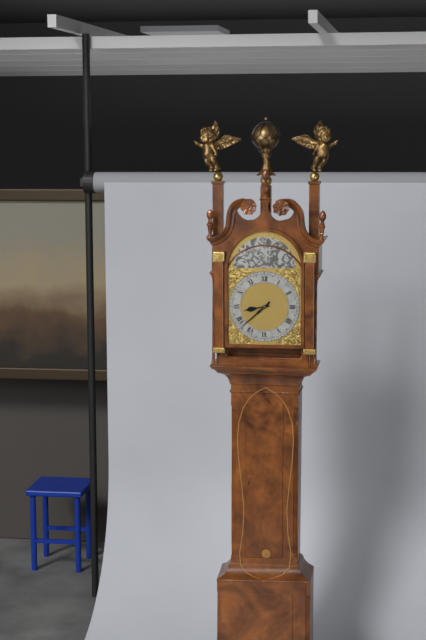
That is 8h38
